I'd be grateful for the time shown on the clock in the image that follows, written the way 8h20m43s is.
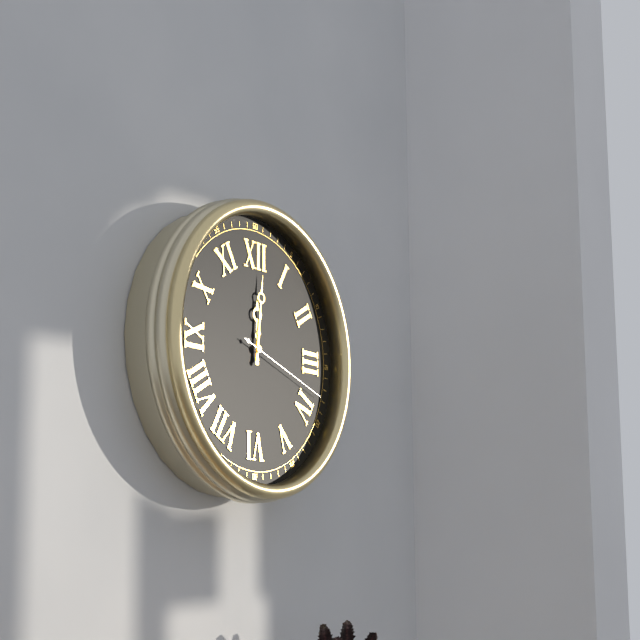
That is 12h01m18s
